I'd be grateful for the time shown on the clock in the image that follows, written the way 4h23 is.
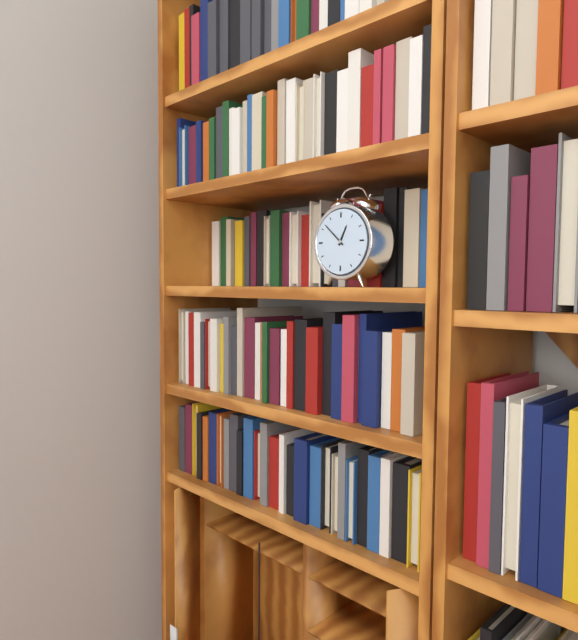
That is 12h52
